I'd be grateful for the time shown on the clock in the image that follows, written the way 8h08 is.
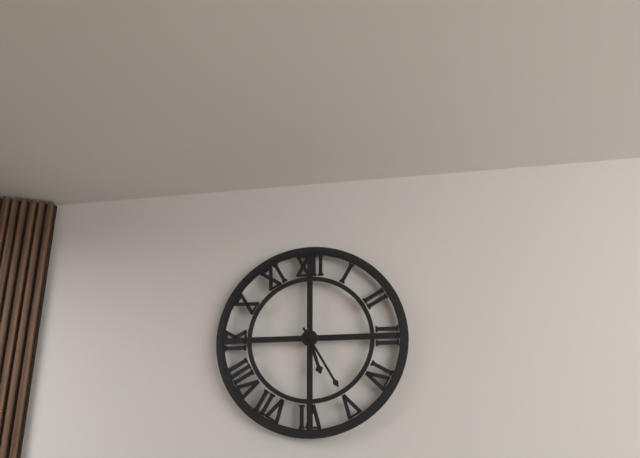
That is 5h25
